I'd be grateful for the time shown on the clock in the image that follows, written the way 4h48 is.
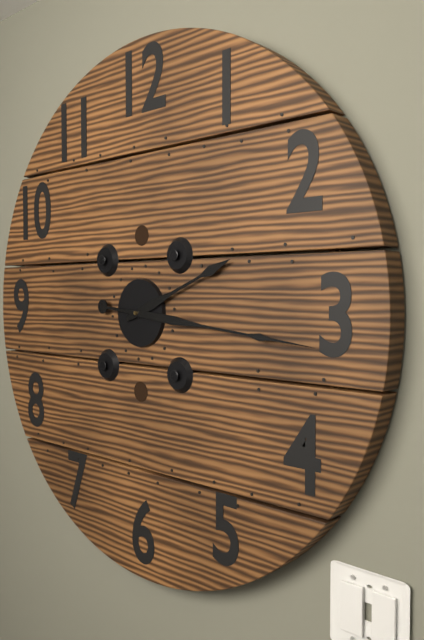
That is 2h16
